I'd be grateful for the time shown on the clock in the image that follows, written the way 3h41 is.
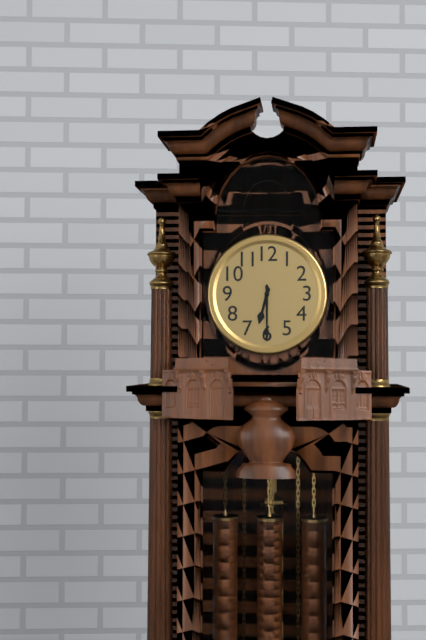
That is 6h30
